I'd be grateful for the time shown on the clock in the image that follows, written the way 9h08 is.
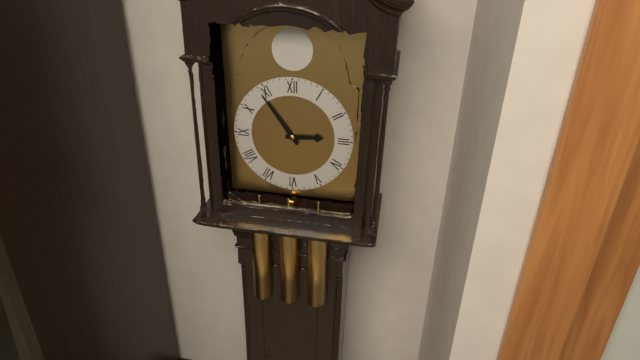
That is 2h54
